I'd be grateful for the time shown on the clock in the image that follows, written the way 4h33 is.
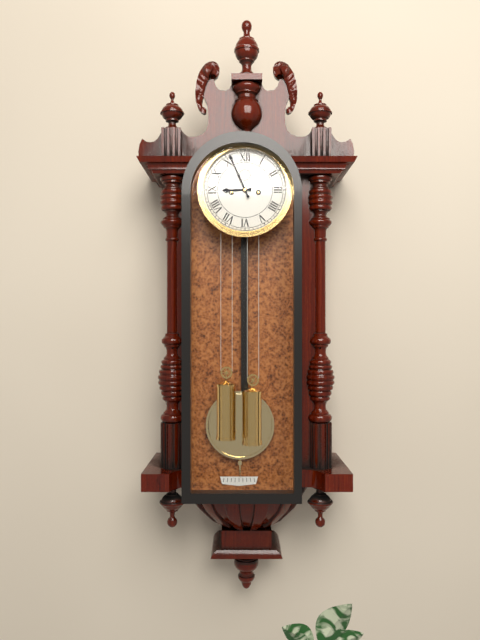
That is 8h56
